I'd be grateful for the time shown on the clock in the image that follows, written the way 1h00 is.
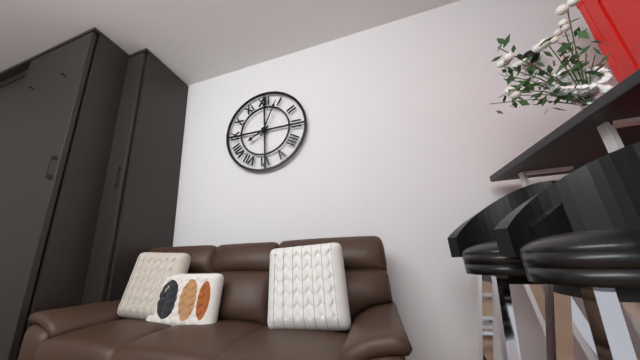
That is 8h04
